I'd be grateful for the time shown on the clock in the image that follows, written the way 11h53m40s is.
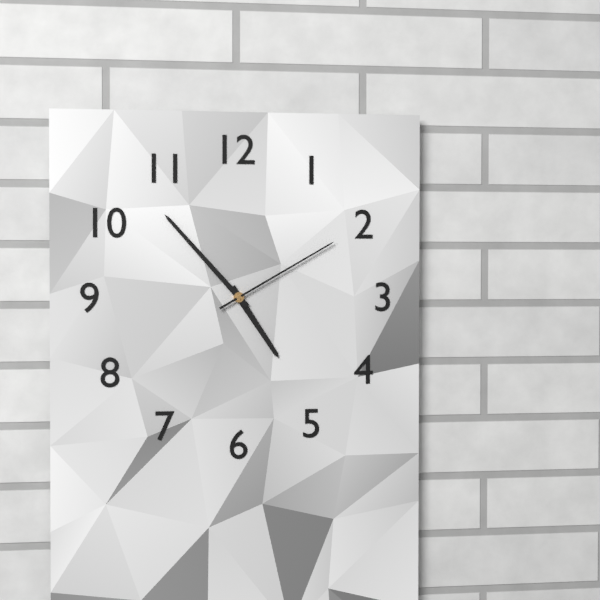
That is 4h53m10s
